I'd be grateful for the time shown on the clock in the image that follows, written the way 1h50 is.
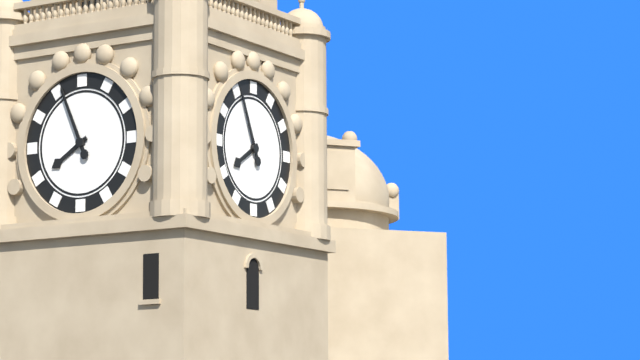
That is 7h56
